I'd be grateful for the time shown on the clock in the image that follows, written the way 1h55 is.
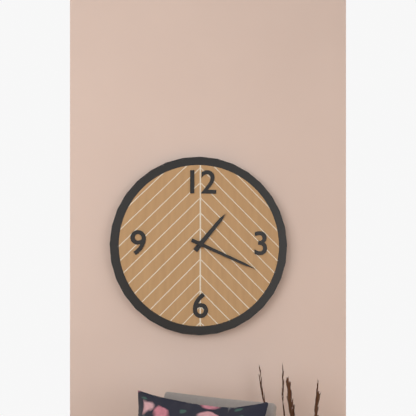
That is 1h19
